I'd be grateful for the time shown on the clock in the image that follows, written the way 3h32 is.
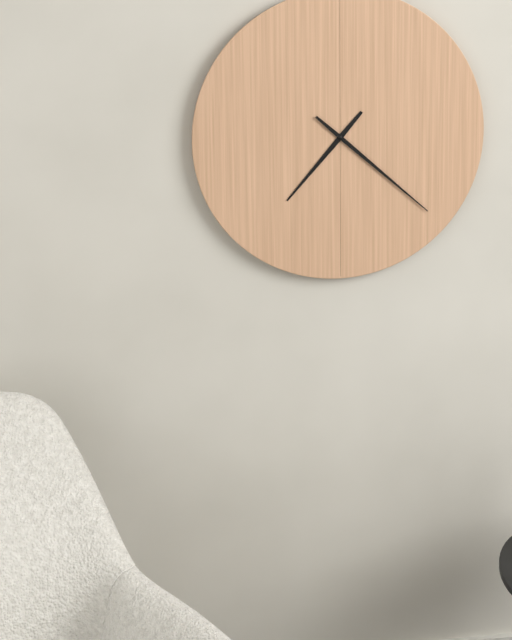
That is 7h22
